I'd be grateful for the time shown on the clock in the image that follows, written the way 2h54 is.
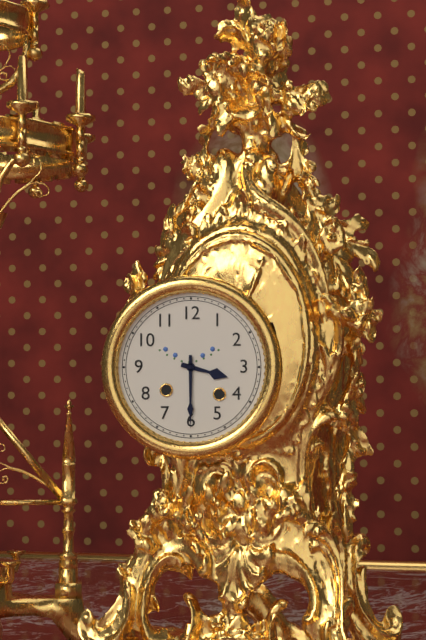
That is 3h30
